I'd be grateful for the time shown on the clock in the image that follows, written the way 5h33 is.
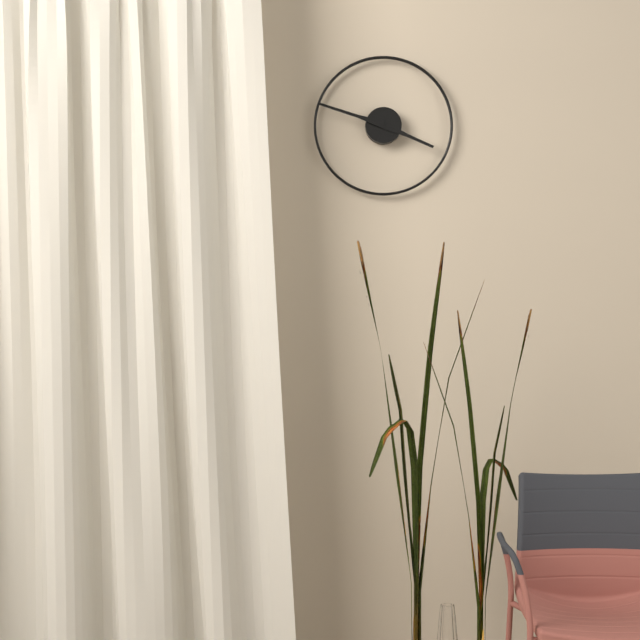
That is 3h48
